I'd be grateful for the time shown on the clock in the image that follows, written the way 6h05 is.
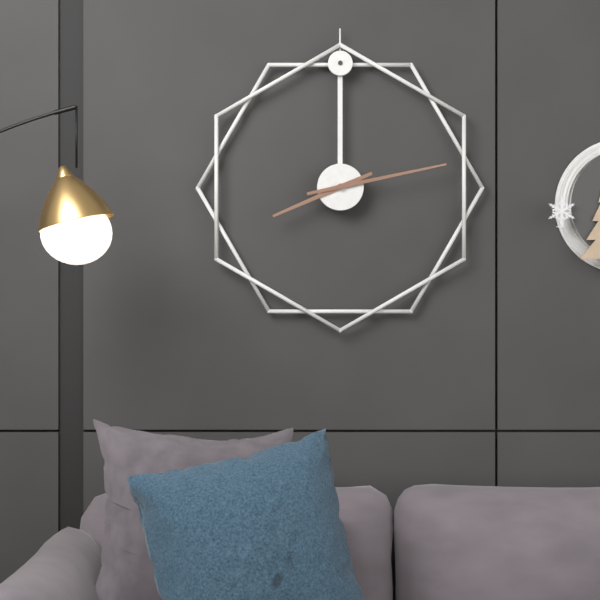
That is 8h13
